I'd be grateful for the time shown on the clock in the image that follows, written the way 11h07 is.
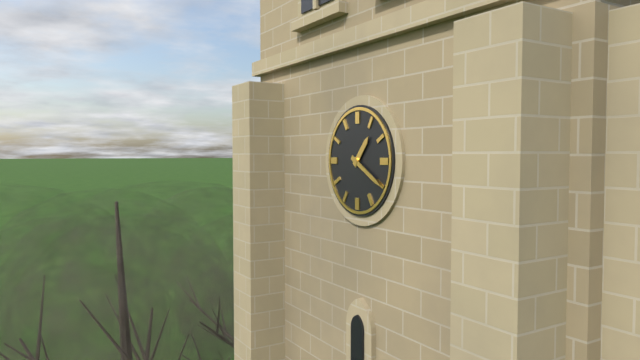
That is 1h20
